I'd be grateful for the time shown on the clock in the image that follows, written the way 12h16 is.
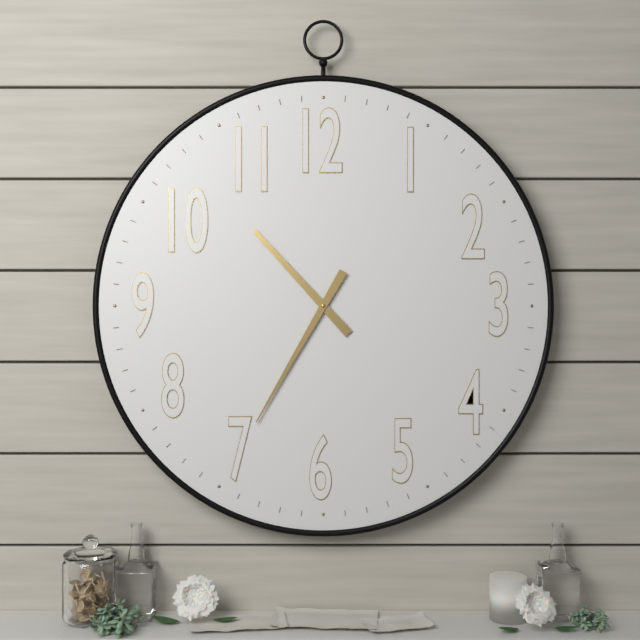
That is 10h35
